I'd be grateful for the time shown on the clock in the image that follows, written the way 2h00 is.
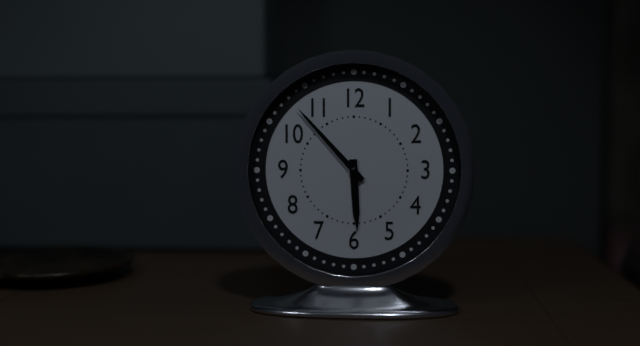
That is 5h53
